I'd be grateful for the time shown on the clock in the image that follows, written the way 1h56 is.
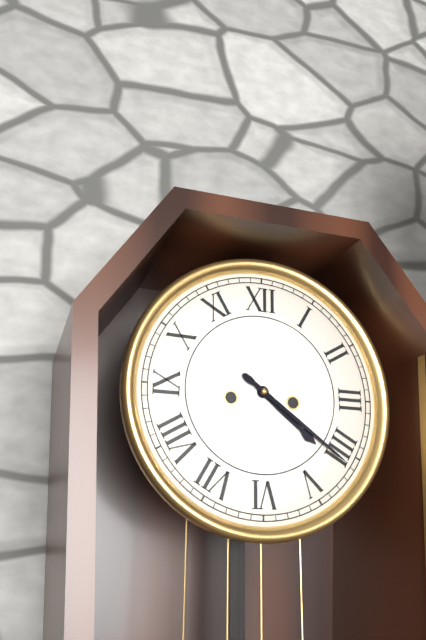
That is 4h21
